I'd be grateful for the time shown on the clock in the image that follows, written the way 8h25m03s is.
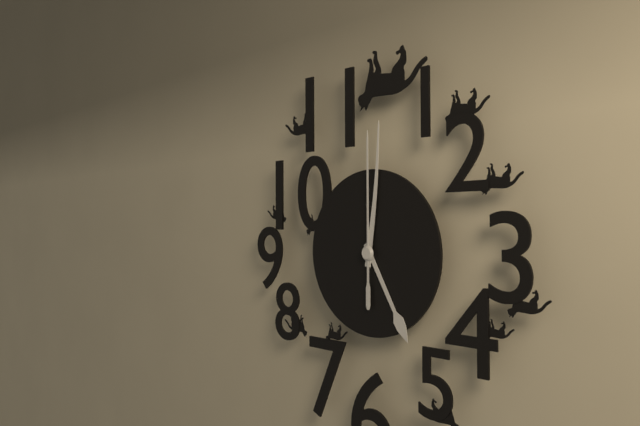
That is 5h01m00s
